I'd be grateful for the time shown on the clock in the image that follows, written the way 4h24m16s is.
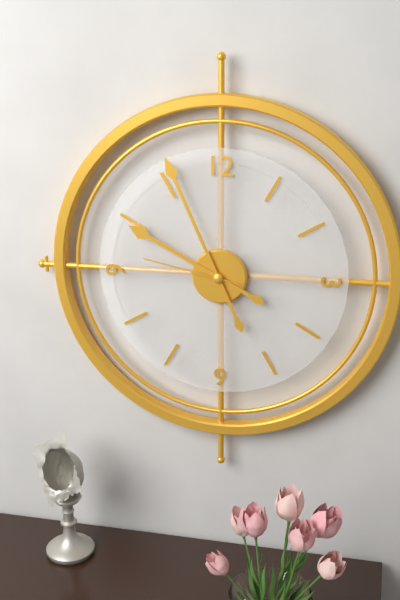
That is 9h56m47s
